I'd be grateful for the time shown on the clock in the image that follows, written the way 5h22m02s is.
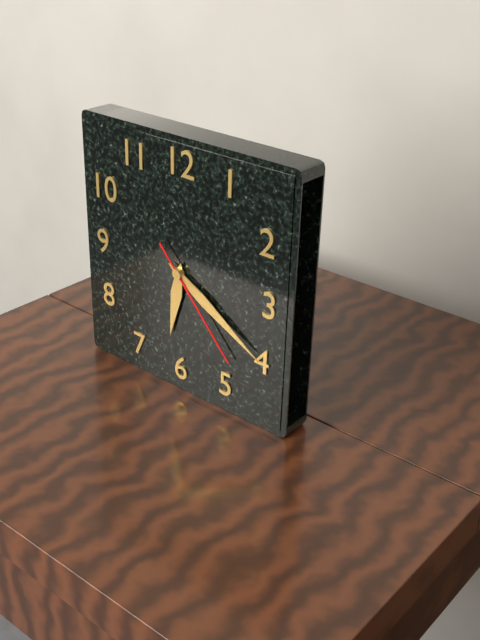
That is 6h20m23s
